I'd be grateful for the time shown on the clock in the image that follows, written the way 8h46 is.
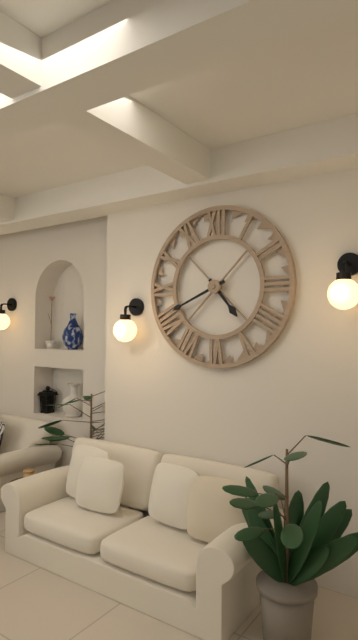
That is 4h41
